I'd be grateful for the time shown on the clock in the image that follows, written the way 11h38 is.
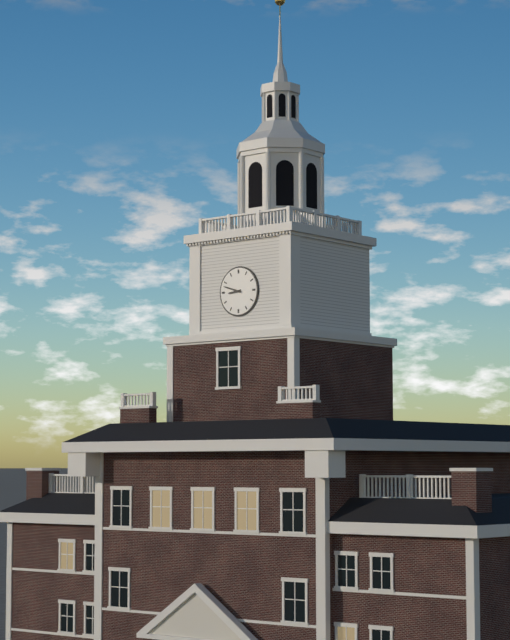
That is 8h48
